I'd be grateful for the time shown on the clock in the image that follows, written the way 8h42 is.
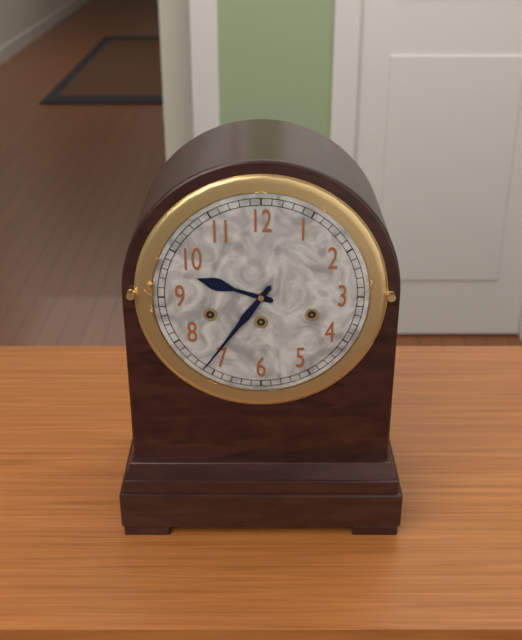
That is 9h36
